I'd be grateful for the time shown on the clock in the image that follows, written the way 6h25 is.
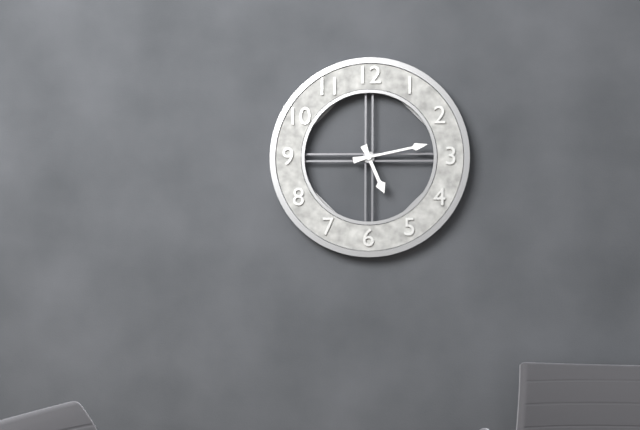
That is 5h13
